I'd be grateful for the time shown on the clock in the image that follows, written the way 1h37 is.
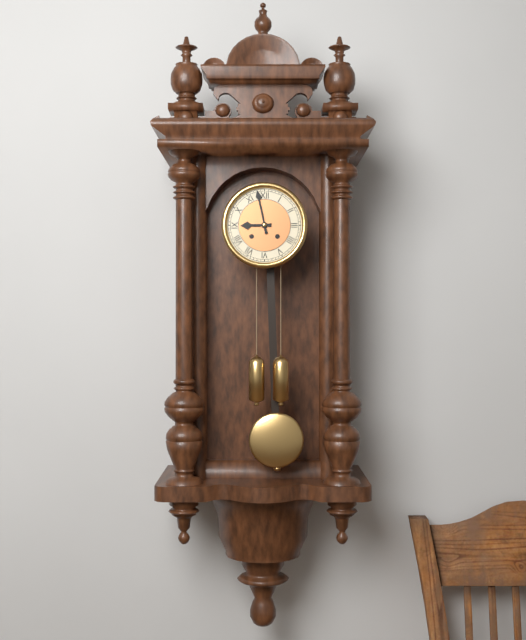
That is 8h58
